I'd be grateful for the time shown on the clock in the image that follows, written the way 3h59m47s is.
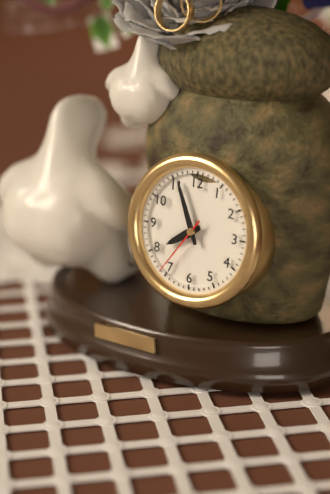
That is 7h56m36s
